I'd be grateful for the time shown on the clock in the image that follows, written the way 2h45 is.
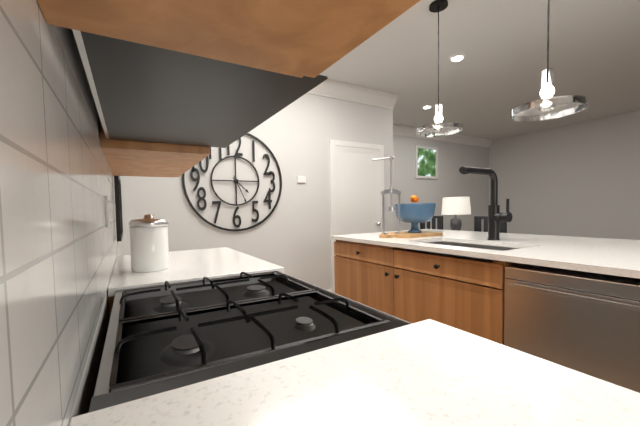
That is 4h26
